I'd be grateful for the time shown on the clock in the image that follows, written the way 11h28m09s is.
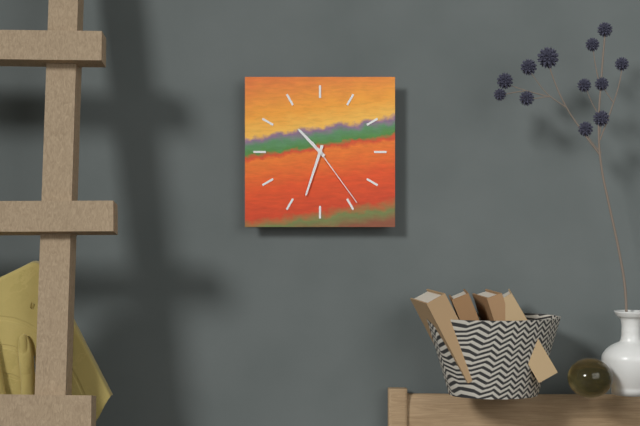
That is 10h33m24s
